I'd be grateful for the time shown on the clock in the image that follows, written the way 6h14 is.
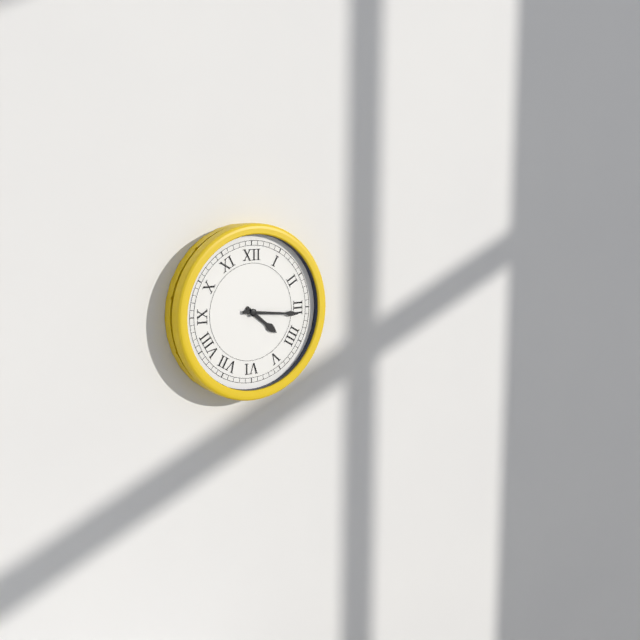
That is 4h16
